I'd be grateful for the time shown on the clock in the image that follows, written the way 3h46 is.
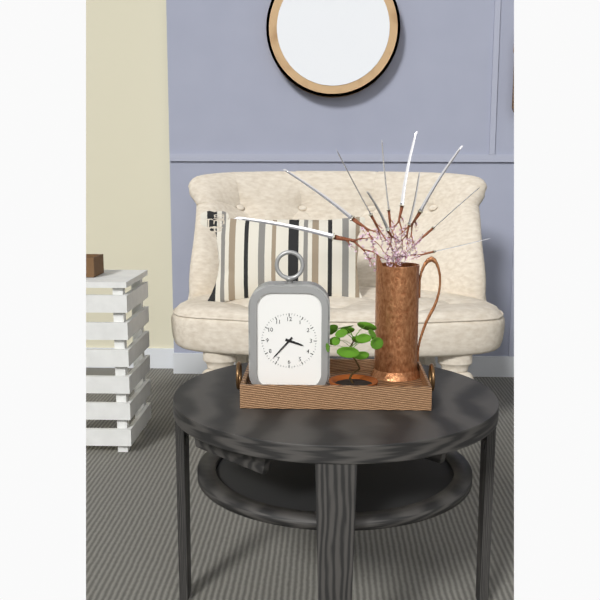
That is 3h37
